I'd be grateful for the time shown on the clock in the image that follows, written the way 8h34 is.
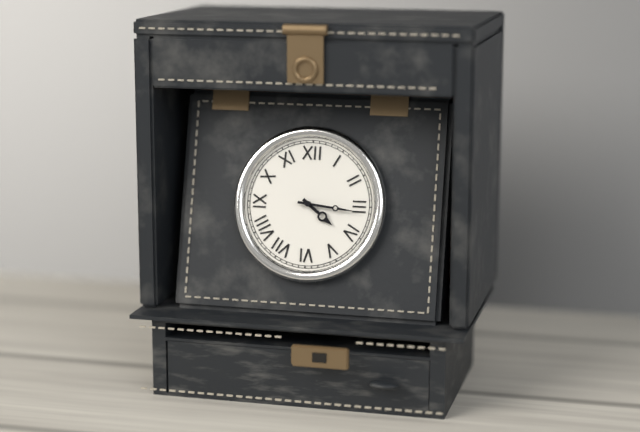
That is 4h16
